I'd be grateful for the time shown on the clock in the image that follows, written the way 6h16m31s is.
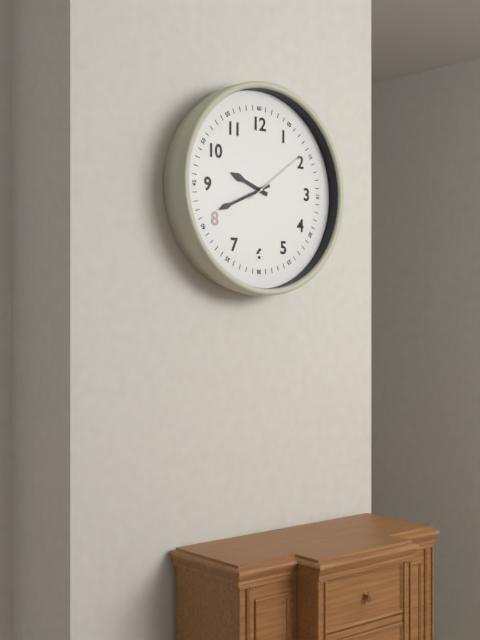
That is 9h41m09s
